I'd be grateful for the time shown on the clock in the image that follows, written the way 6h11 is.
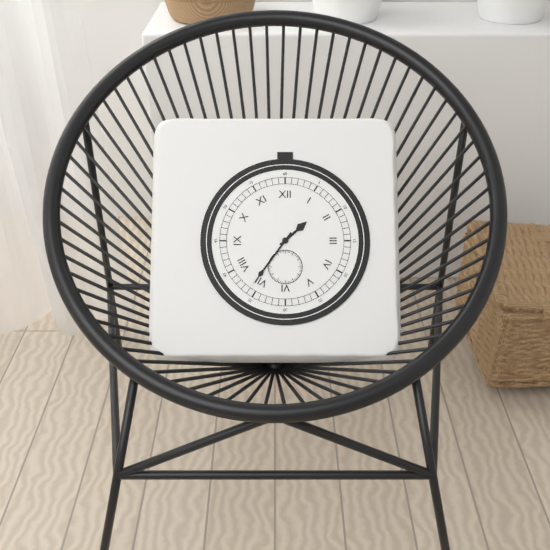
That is 1h36
